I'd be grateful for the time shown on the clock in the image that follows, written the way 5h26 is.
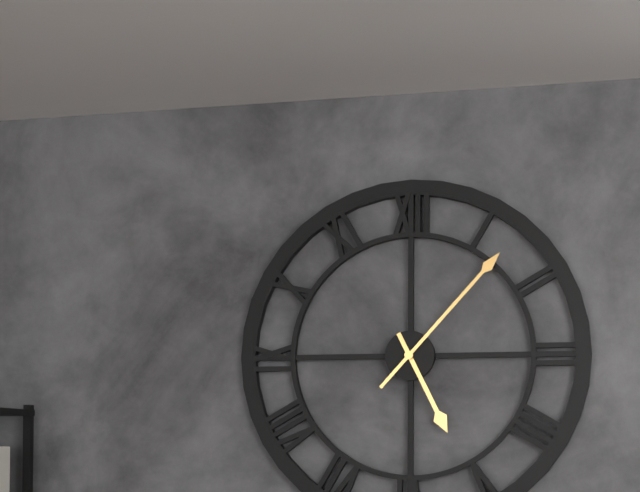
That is 5h07
